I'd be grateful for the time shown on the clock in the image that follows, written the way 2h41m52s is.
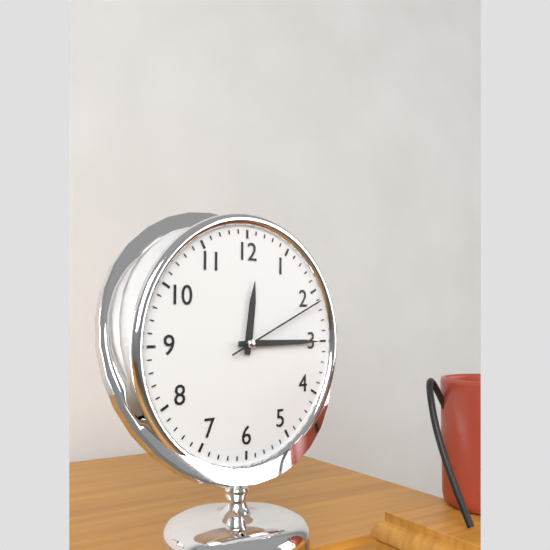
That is 12h15m11s
